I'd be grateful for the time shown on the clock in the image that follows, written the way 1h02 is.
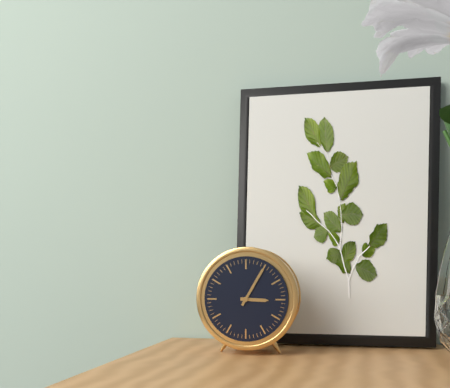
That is 3h05
